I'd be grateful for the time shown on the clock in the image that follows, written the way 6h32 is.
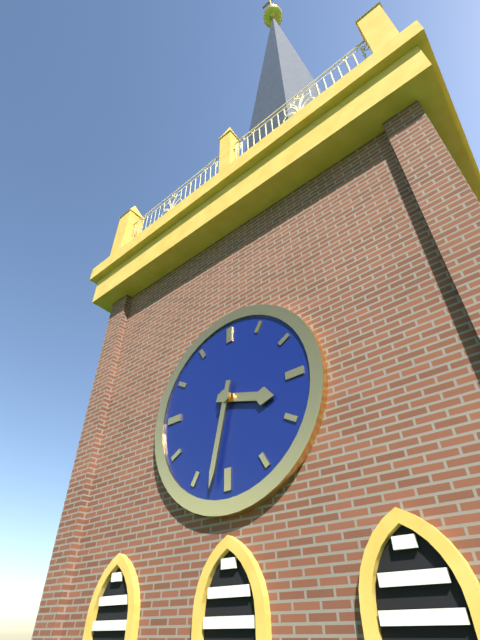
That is 3h32
